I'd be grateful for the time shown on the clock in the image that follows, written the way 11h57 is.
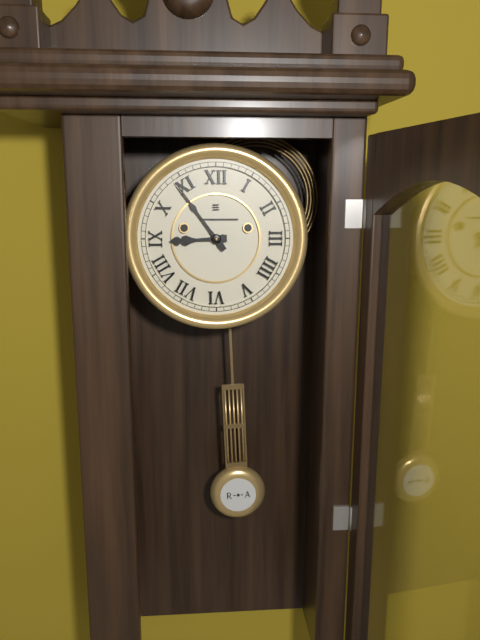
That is 8h54
